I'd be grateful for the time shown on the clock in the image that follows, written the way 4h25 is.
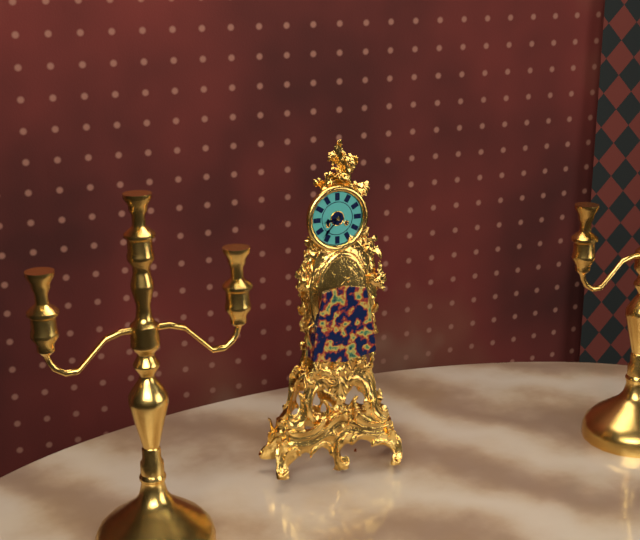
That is 8h37
